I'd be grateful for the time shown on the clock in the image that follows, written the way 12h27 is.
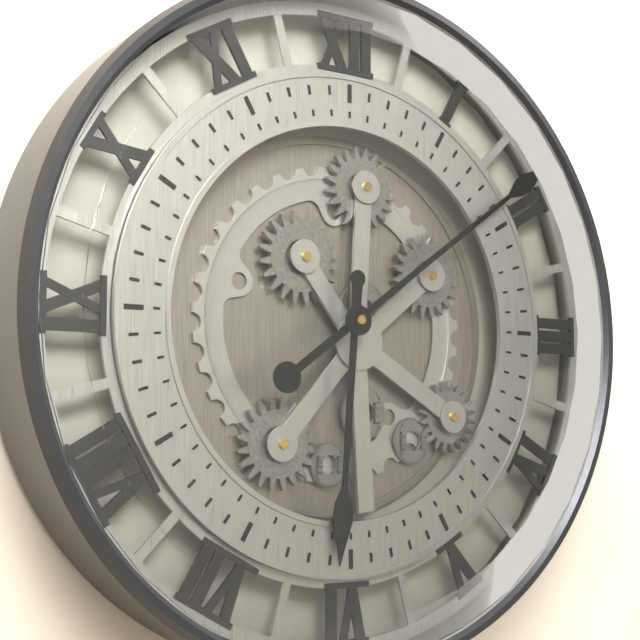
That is 6h09
